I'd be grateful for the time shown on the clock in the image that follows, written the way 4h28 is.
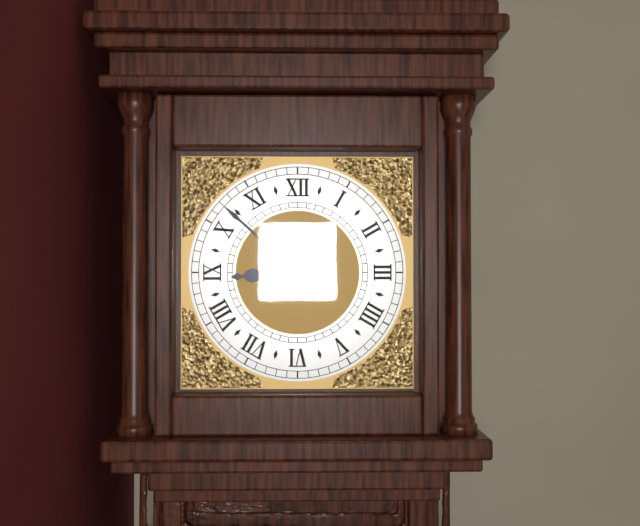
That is 8h52
